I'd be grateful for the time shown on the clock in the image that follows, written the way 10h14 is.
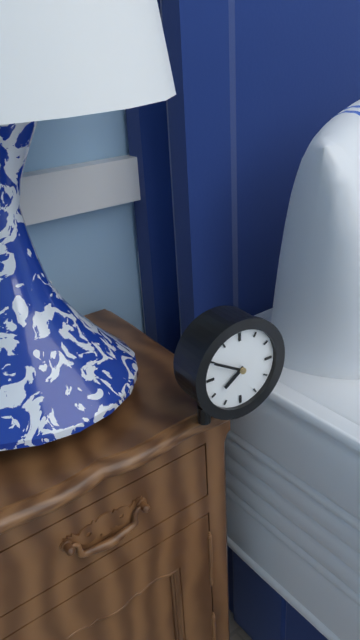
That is 7h50
